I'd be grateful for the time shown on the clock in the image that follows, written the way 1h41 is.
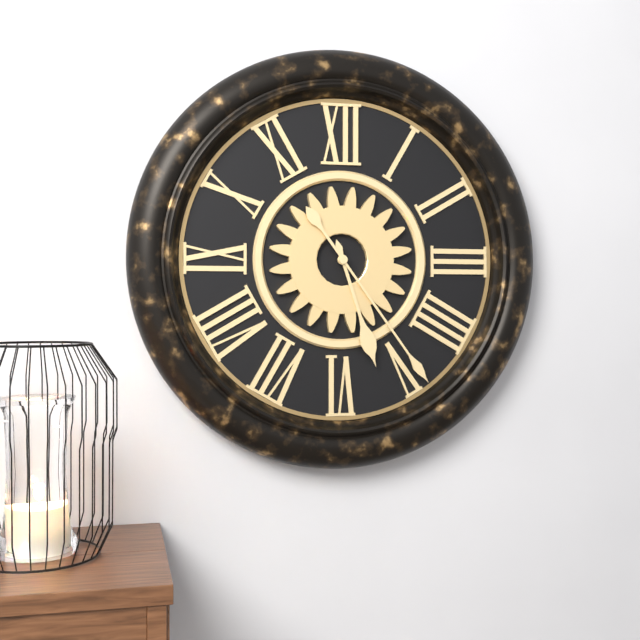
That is 5h24
